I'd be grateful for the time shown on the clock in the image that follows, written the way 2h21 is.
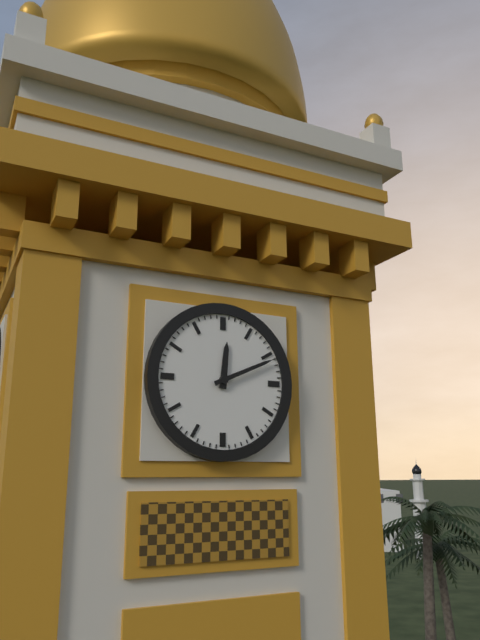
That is 12h11
